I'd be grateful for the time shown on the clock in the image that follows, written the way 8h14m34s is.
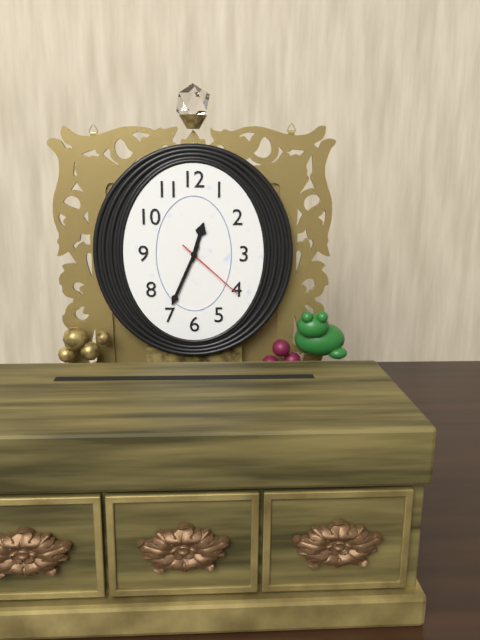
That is 12h34m22s
